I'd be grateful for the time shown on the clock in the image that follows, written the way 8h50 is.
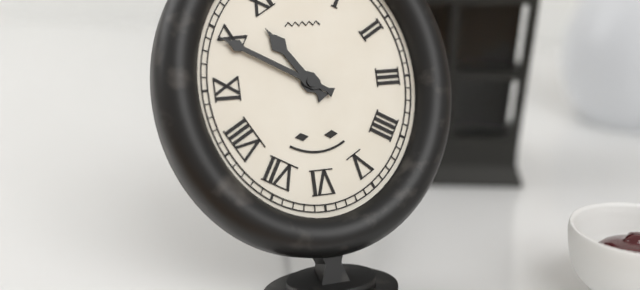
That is 10h50
